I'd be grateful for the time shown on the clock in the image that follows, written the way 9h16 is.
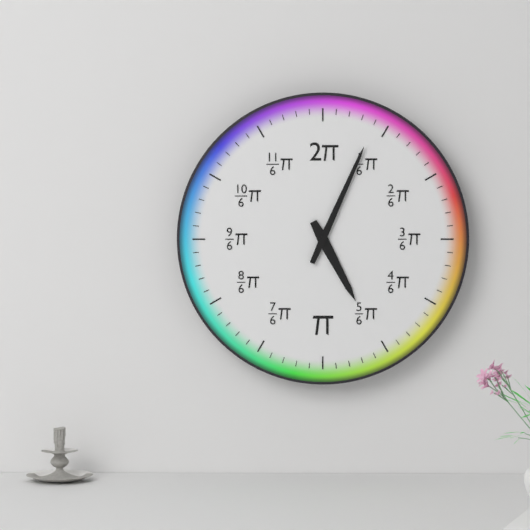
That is 5h04
